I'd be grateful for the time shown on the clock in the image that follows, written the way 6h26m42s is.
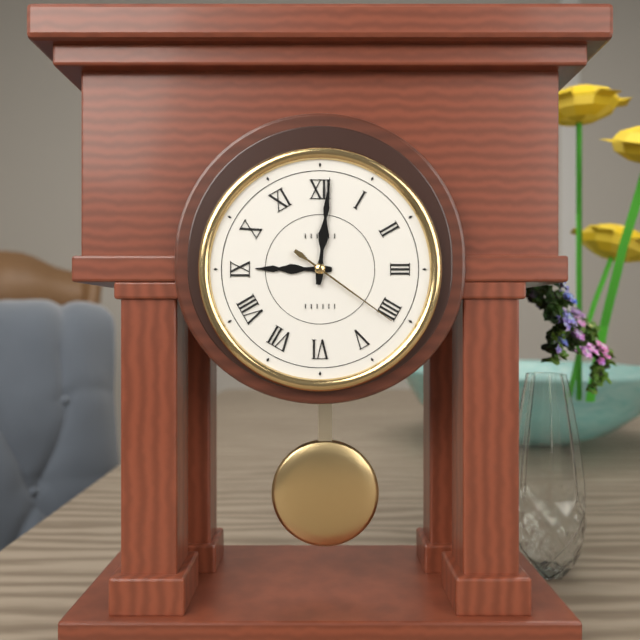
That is 9h01m21s
